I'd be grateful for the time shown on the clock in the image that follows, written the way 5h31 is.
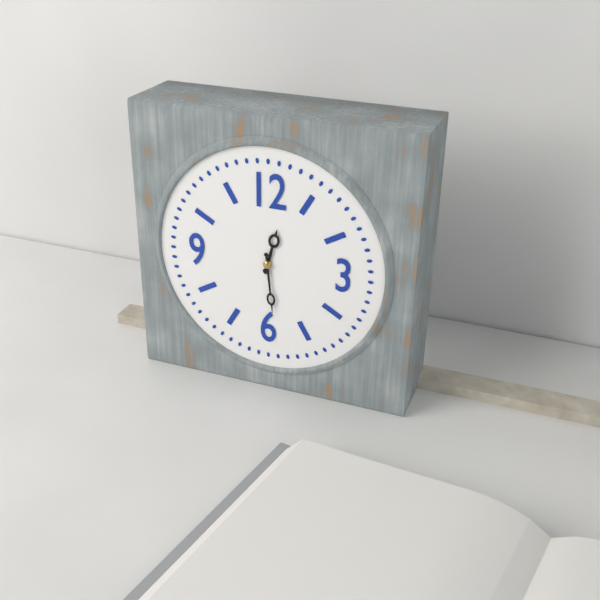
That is 12h29
